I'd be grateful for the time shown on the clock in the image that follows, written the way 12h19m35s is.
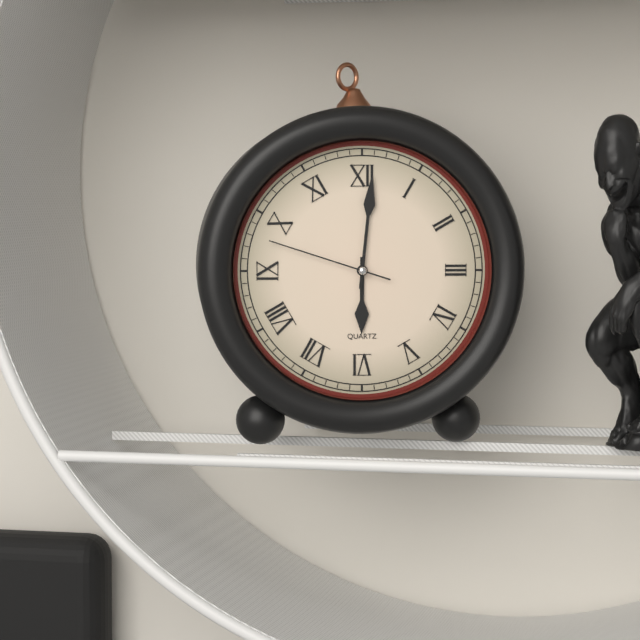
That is 6h01m48s
